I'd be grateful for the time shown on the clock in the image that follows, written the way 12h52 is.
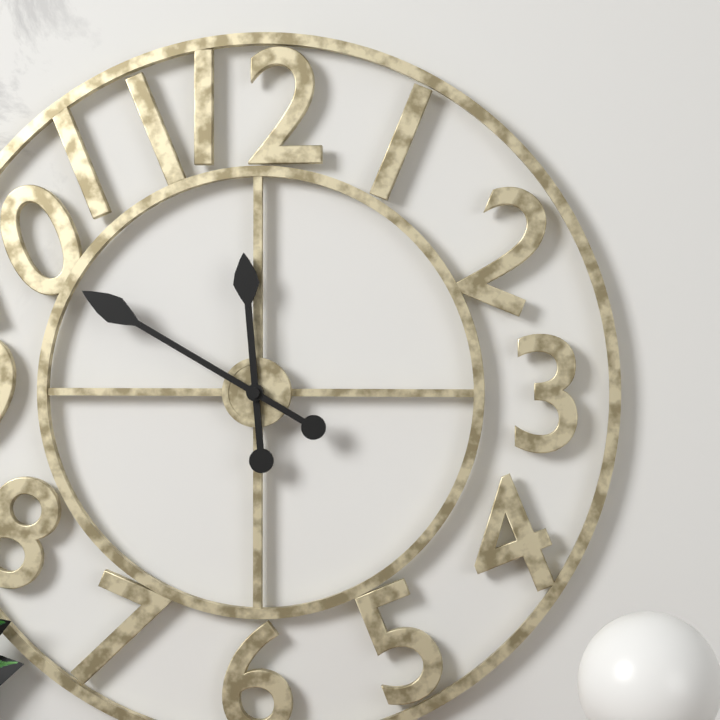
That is 11h50
